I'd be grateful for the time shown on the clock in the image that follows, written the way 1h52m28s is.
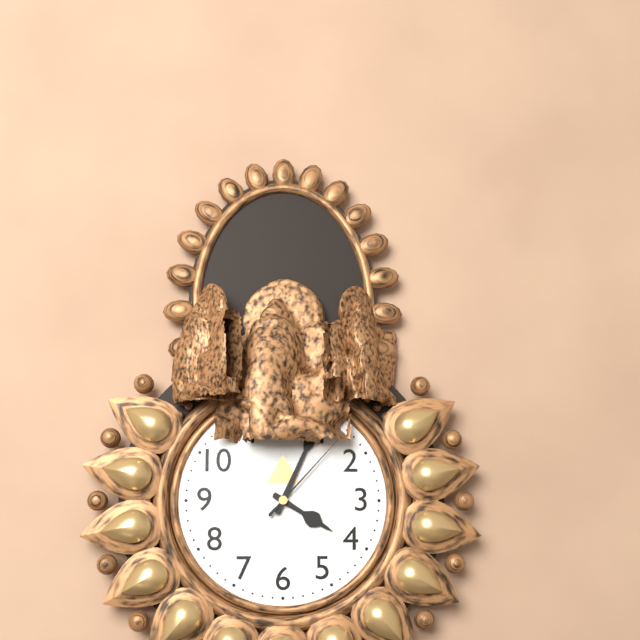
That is 4h04m07s
